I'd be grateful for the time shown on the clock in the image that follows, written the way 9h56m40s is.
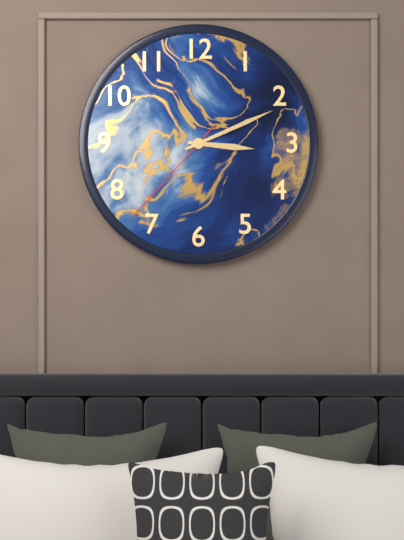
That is 3h11m37s
